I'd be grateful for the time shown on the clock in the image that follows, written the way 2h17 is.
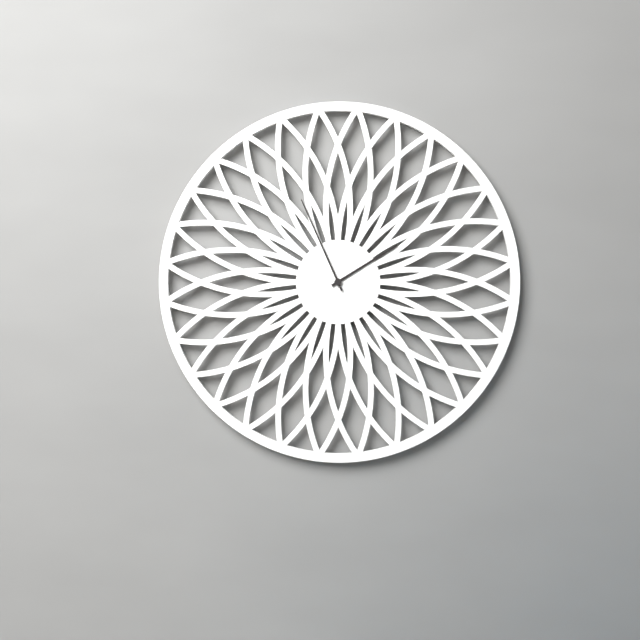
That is 1h56
